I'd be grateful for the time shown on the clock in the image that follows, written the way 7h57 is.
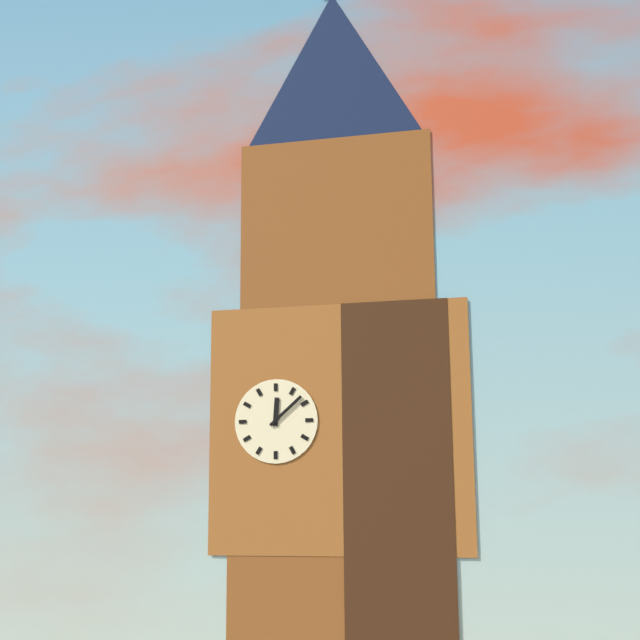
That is 12h08
